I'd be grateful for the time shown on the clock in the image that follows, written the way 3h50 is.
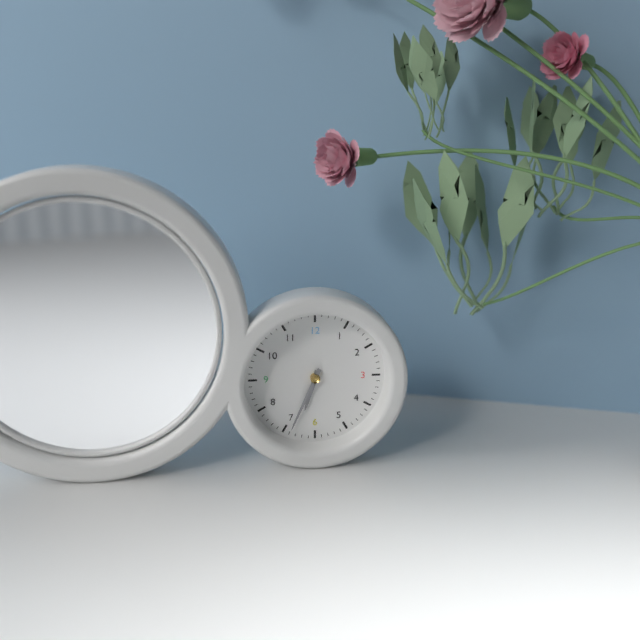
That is 6h34
